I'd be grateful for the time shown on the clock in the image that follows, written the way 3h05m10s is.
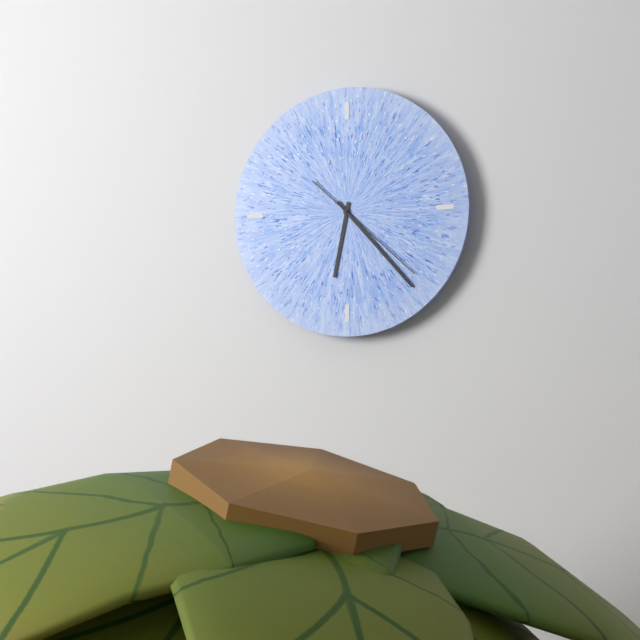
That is 6h23m22s
